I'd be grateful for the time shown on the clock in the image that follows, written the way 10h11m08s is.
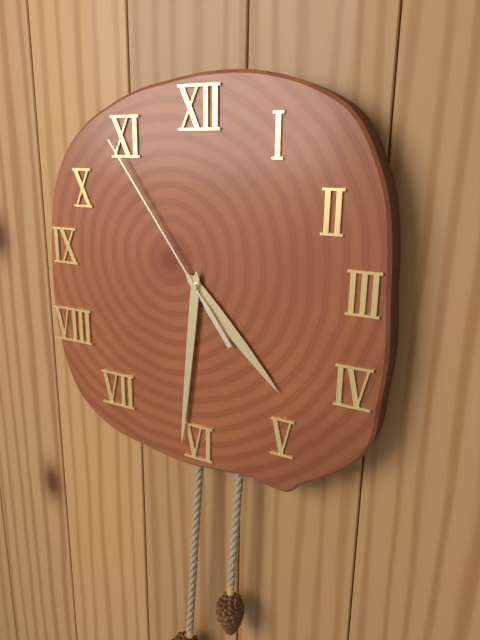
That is 4h31m54s
